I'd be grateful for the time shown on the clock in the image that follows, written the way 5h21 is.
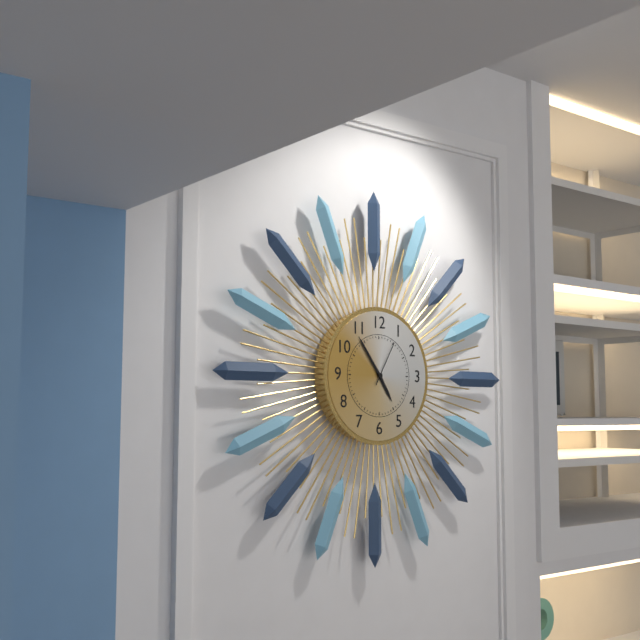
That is 4h54
